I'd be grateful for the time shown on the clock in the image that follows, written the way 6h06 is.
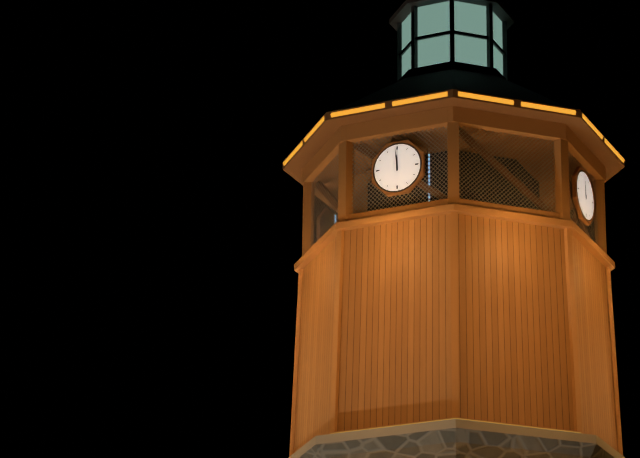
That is 11h59
